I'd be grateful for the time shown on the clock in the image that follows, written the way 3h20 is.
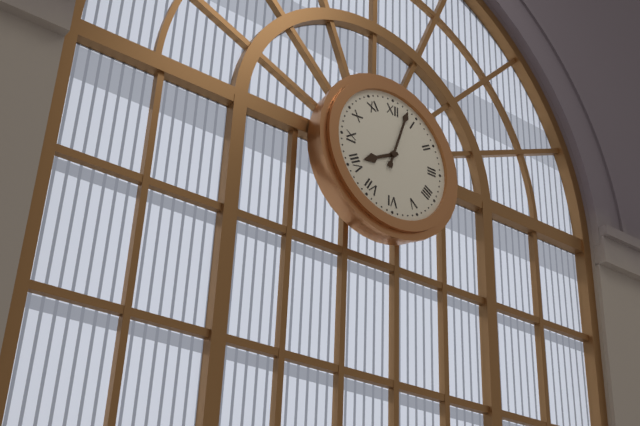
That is 8h03
